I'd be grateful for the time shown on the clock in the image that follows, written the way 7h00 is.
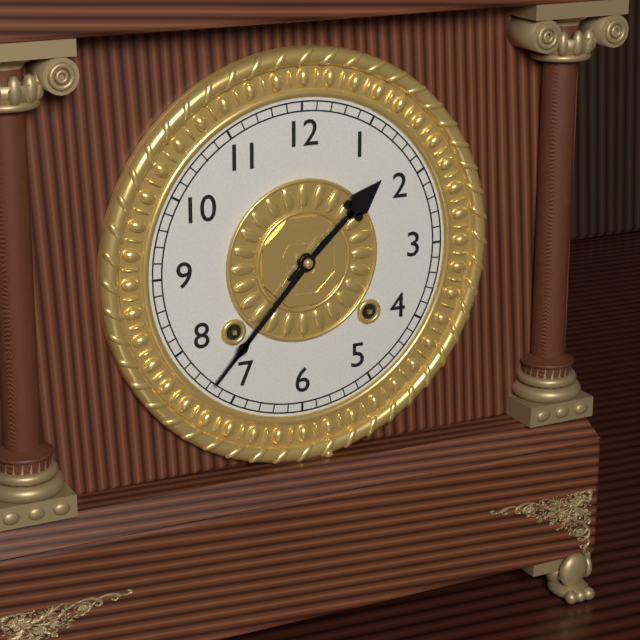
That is 1h37
